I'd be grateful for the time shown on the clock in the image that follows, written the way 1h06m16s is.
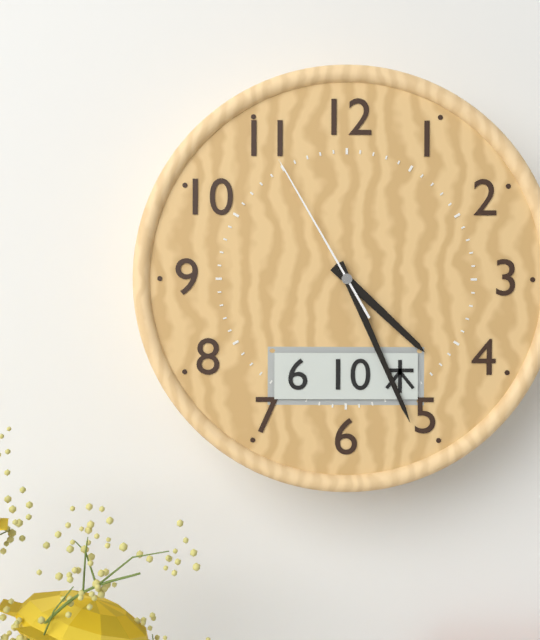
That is 4h26m55s
